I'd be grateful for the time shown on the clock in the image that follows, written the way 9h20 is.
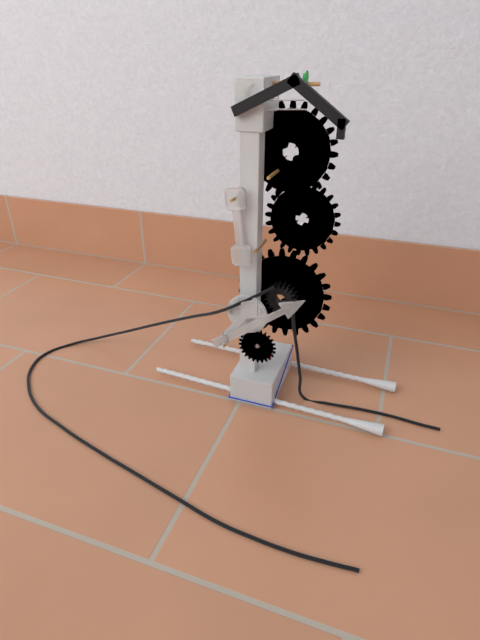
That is 1h09
